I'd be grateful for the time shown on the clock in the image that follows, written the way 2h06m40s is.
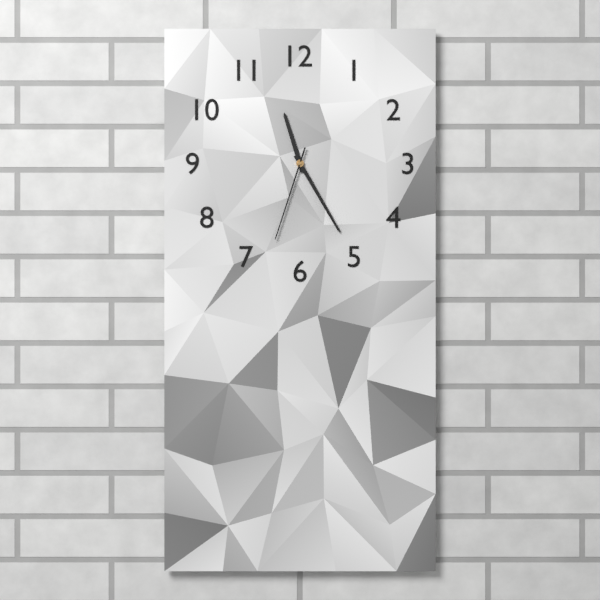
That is 11h25m33s
